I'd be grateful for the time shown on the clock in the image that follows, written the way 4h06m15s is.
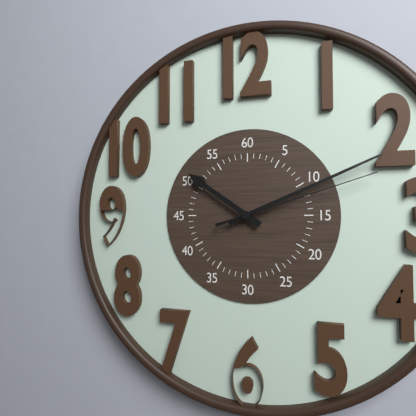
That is 10h11m12s
